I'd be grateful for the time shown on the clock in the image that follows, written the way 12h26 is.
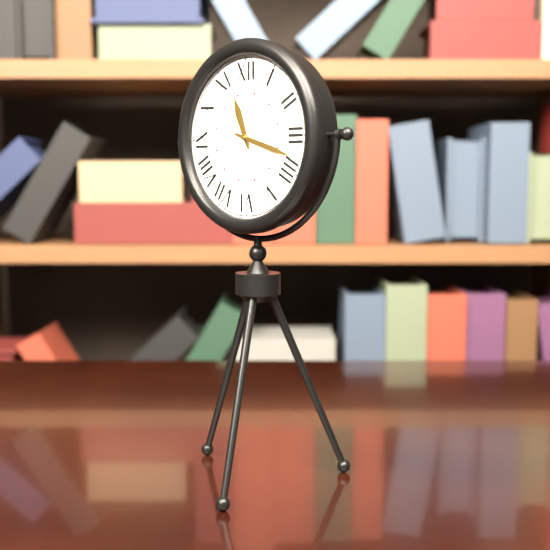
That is 11h18
